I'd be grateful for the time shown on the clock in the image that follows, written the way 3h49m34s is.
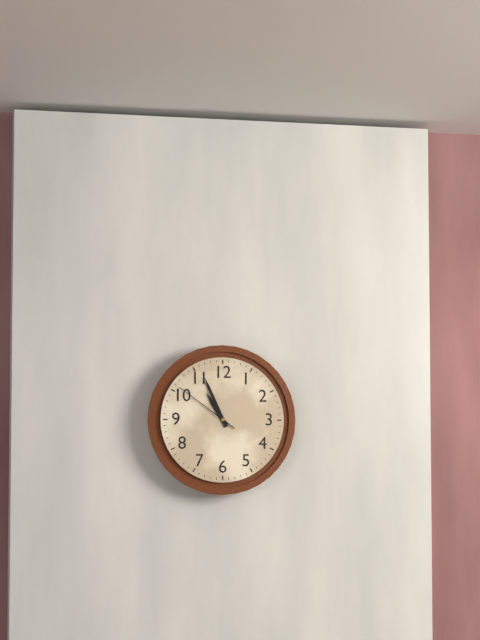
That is 10h56m51s
